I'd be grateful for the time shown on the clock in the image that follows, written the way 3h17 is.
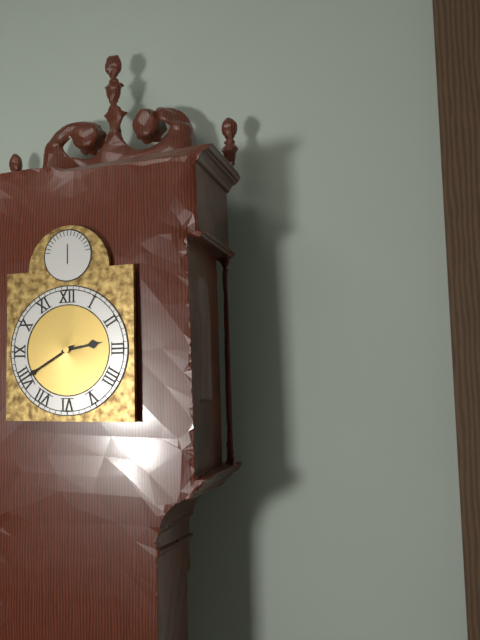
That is 2h40
